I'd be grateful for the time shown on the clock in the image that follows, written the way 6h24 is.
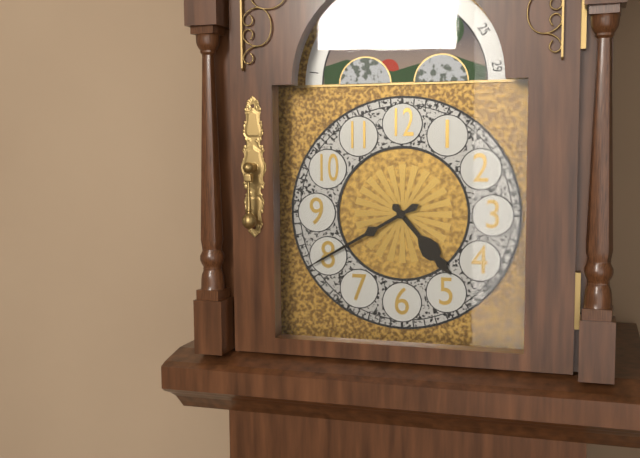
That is 4h40
